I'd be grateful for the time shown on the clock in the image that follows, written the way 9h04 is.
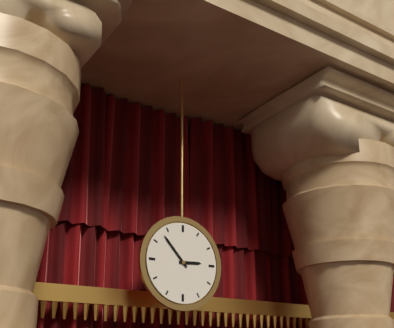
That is 2h53
